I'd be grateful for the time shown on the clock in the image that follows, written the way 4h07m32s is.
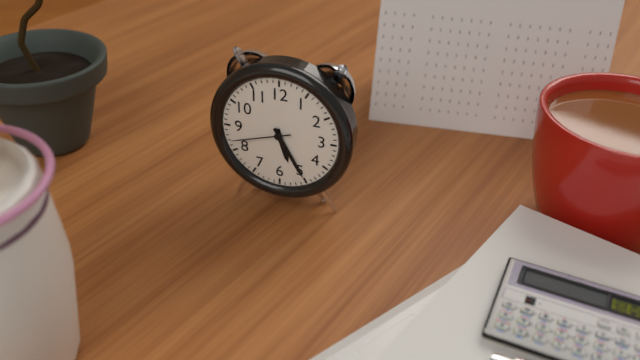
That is 5h25m42s
